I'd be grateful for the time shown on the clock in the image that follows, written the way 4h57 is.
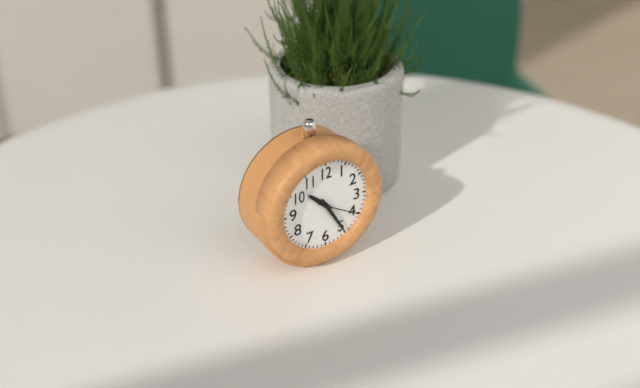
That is 10h25
